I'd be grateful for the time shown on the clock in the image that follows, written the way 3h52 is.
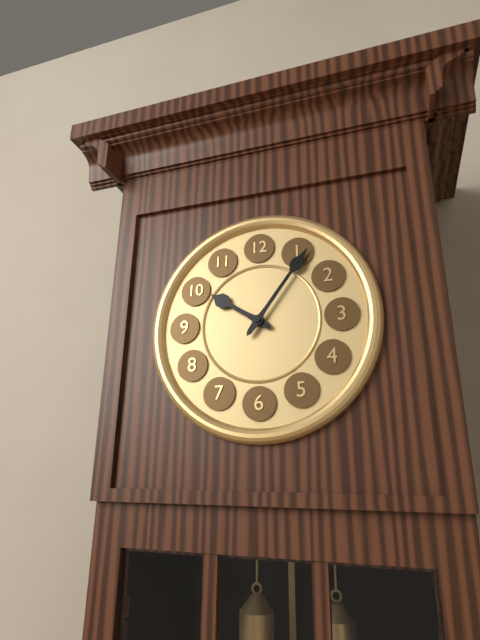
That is 10h06
